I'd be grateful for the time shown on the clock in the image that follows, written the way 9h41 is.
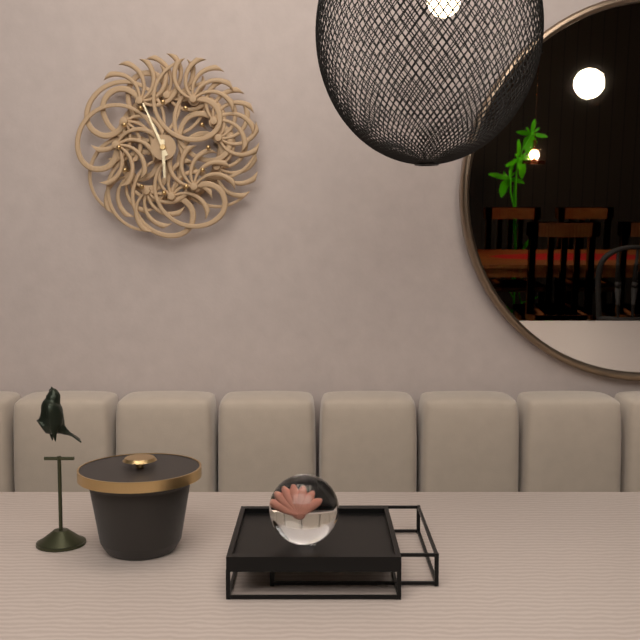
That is 5h56
